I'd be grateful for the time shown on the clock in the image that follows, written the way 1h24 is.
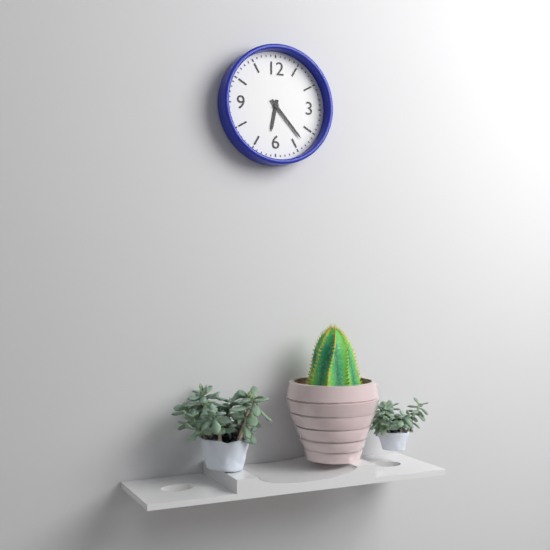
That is 6h23
